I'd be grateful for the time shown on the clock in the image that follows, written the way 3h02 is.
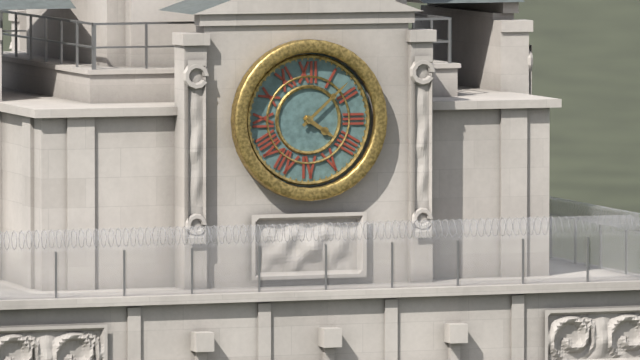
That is 4h08
